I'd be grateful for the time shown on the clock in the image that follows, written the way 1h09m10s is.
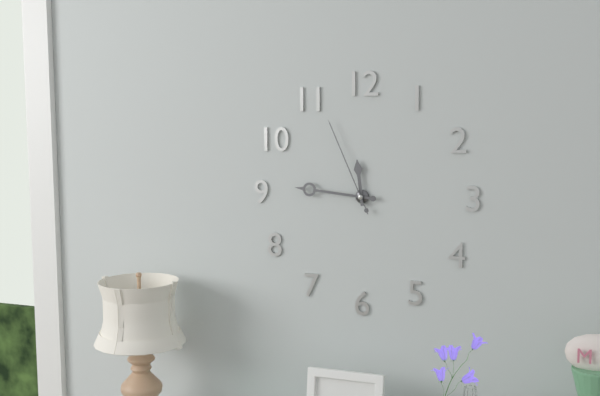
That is 11h46m56s
